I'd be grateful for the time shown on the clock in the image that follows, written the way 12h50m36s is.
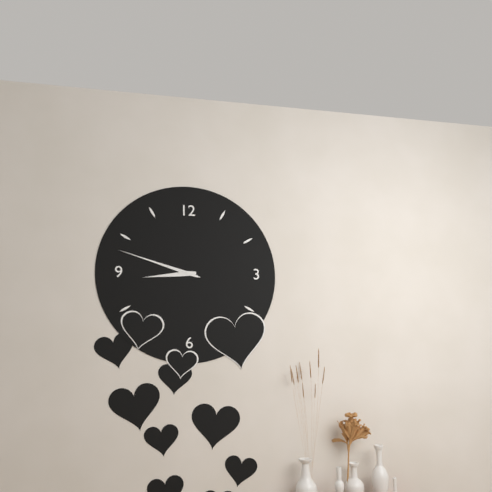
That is 8h48m48s
